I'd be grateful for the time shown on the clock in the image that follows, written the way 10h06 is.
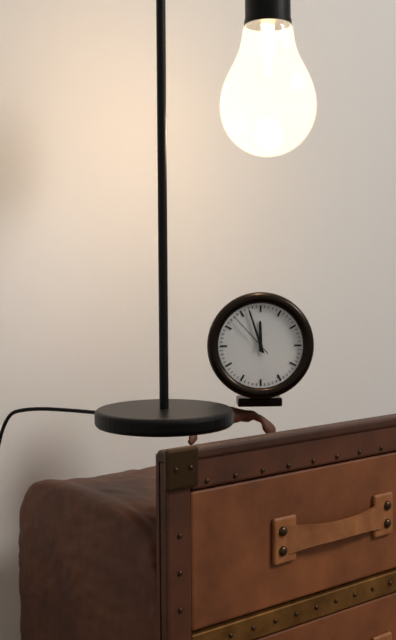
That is 11h57
